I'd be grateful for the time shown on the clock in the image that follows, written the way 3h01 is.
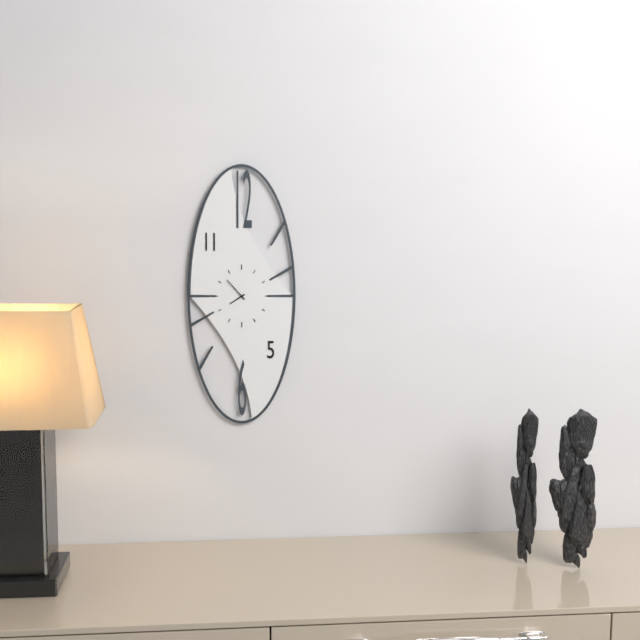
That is 7h53
